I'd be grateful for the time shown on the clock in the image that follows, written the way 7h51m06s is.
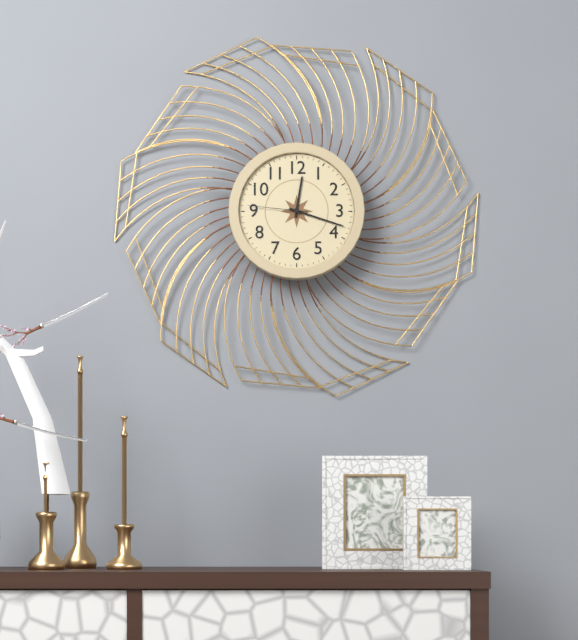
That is 12h18m46s
